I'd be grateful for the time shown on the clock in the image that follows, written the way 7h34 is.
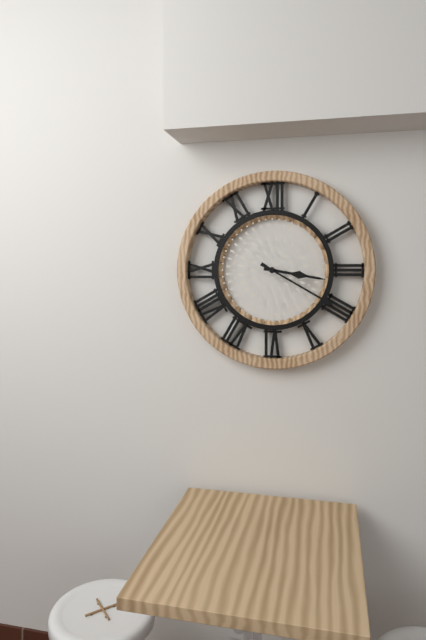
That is 3h20
